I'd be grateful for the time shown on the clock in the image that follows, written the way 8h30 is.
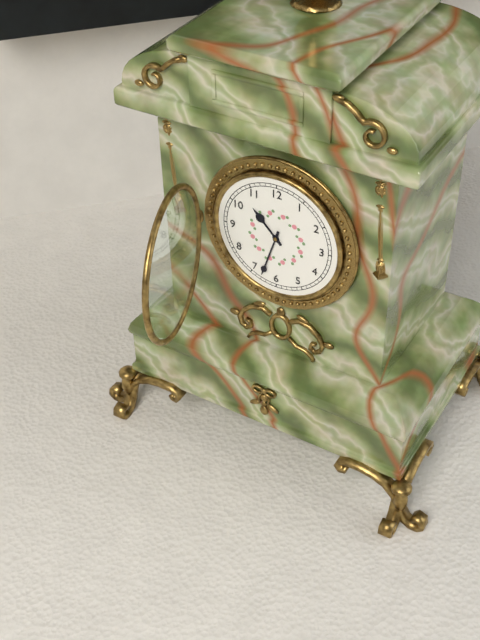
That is 10h33
